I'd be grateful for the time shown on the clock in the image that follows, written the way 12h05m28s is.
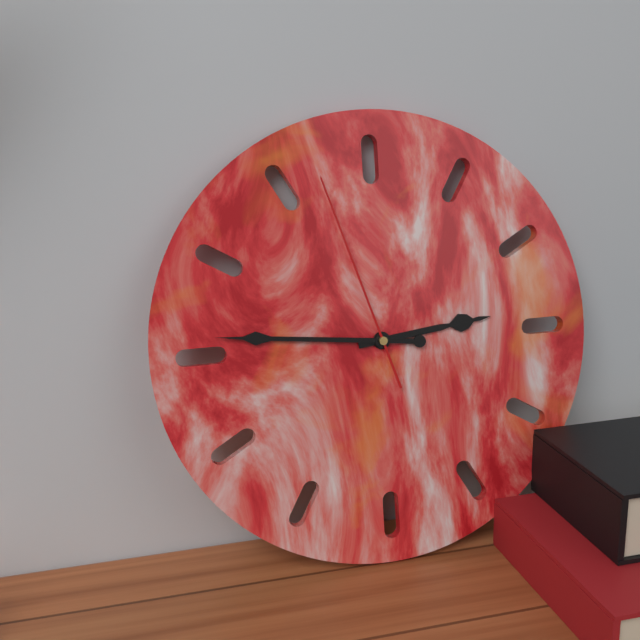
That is 2h46m57s
